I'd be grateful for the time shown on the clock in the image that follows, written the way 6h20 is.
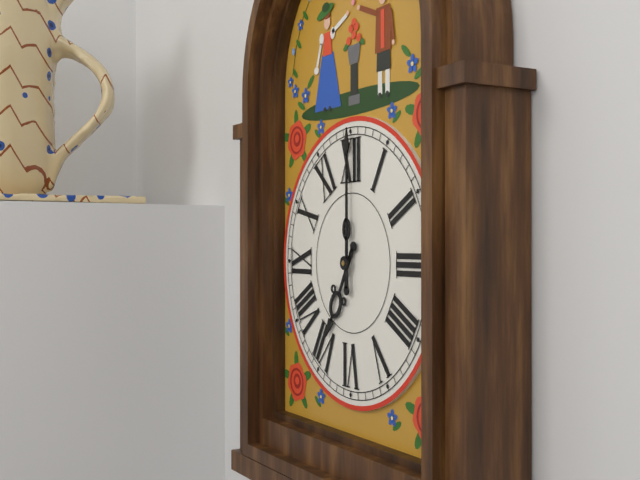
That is 7h00
